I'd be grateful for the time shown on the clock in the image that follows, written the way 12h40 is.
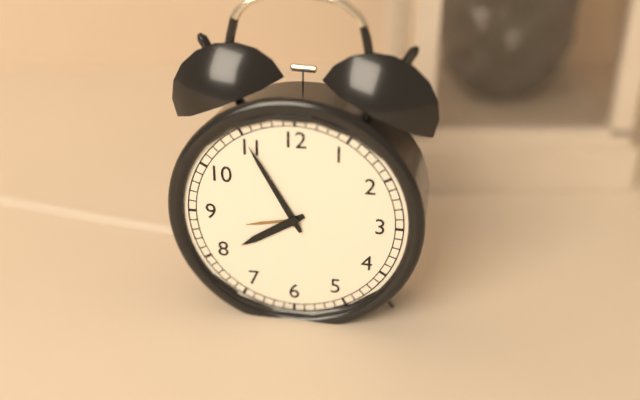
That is 7h55
